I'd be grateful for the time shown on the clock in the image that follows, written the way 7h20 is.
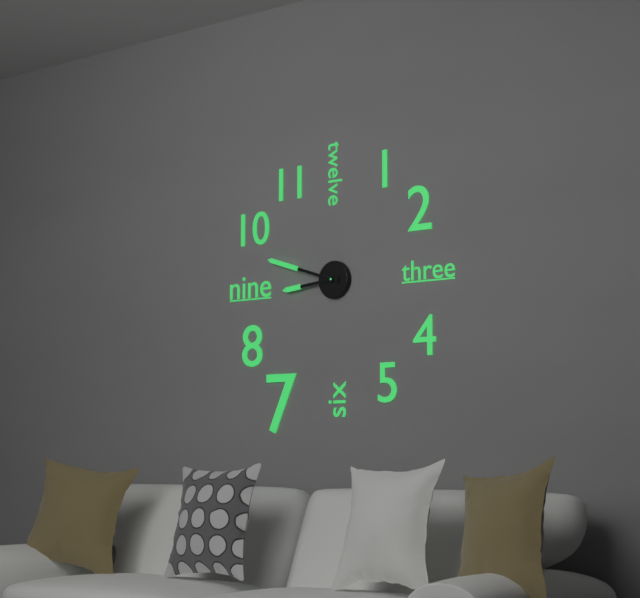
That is 8h48
